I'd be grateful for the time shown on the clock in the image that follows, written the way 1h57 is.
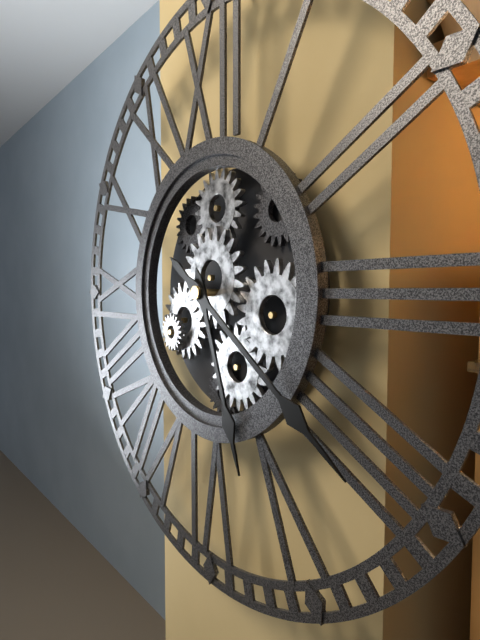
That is 5h21
